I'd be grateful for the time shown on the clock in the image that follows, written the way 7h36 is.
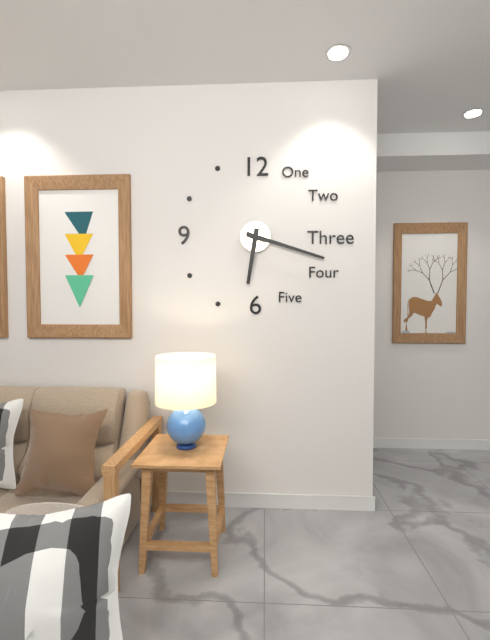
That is 6h18
